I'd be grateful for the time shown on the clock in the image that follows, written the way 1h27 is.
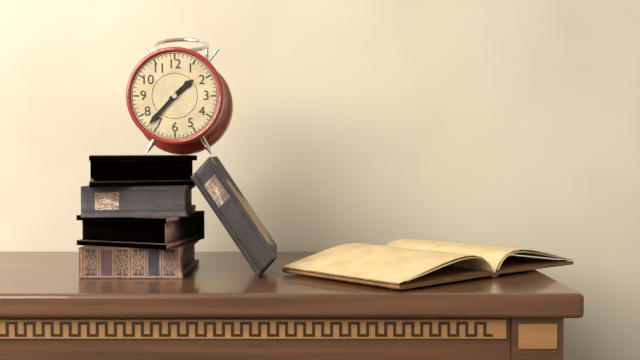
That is 1h37
